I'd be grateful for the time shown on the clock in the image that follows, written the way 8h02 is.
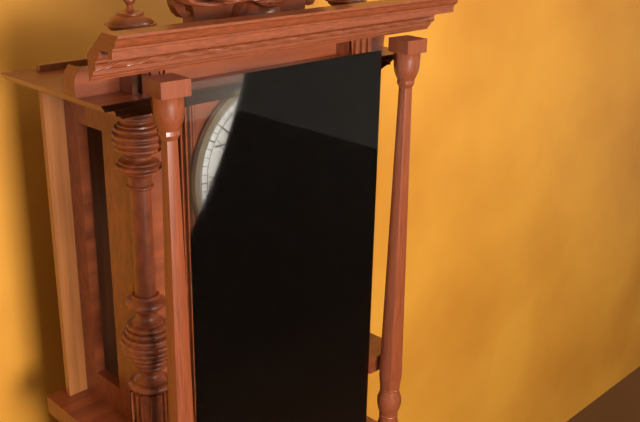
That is 7h52
